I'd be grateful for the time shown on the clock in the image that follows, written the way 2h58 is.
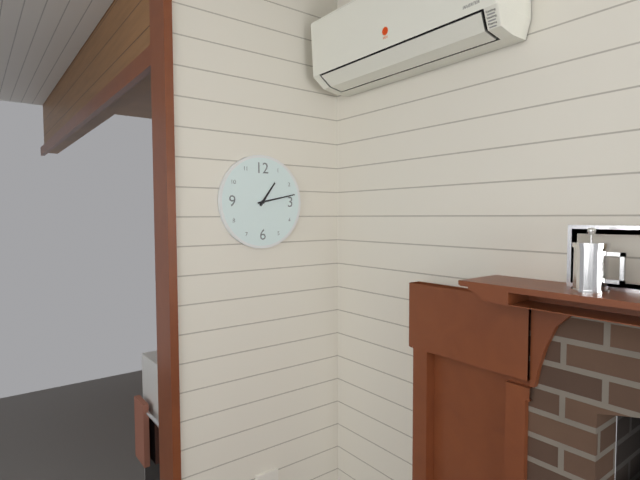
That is 1h13
